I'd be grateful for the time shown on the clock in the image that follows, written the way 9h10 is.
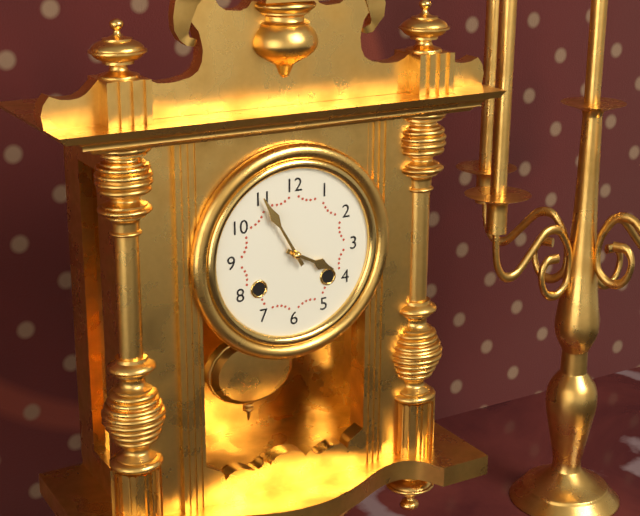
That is 3h55
